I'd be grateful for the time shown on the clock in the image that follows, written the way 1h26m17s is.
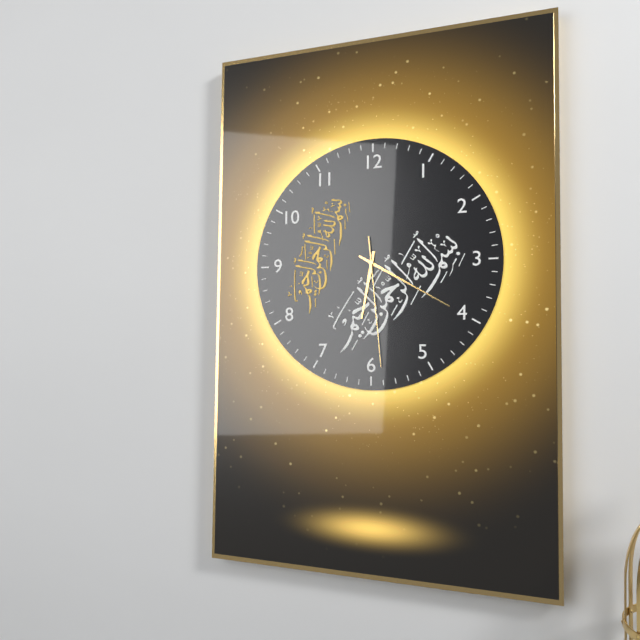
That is 6h20m29s
